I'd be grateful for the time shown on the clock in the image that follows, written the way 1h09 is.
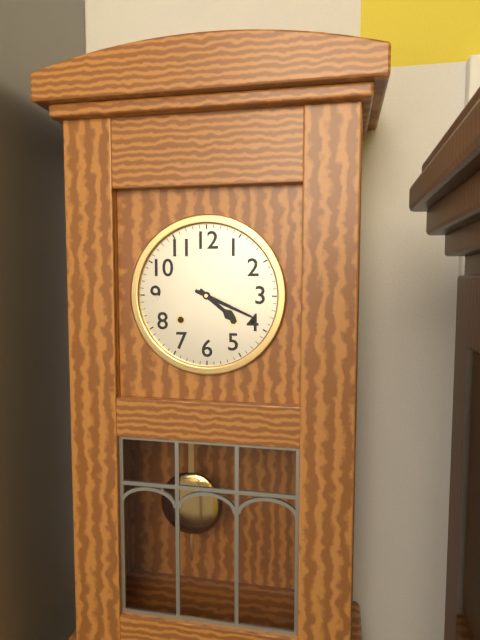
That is 4h19
